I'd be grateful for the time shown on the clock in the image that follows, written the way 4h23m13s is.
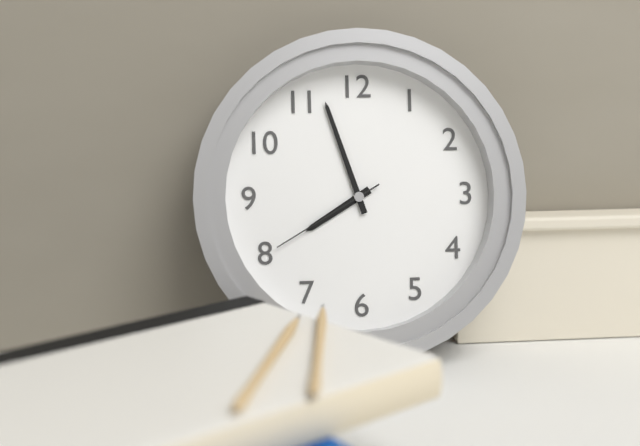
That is 7h57m40s
